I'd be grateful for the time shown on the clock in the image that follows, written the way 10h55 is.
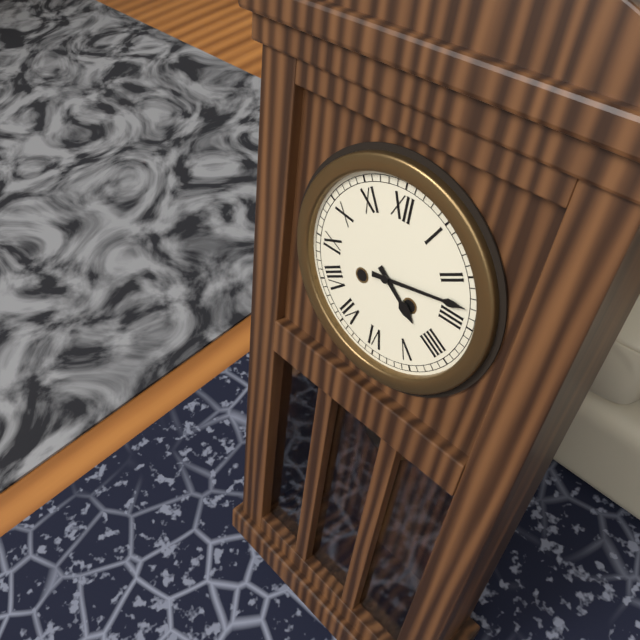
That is 4h13
